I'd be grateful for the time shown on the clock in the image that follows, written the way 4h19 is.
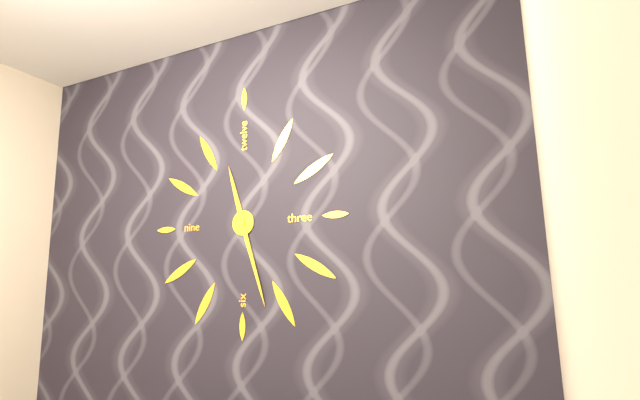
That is 11h27
